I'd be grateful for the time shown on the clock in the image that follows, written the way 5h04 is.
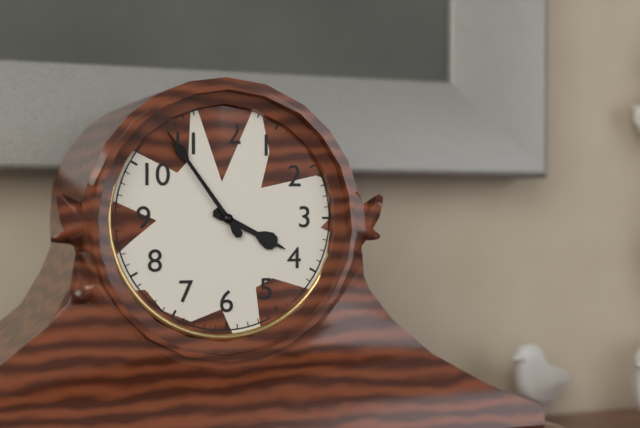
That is 3h54
